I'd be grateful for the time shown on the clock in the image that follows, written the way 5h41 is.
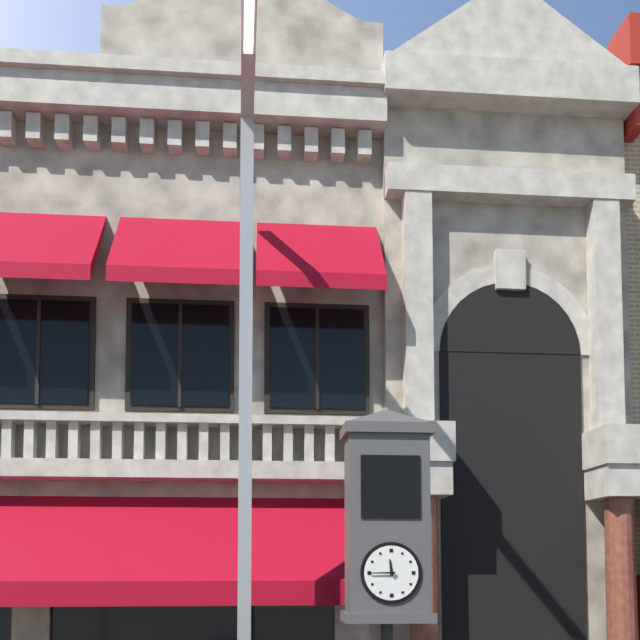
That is 11h45
